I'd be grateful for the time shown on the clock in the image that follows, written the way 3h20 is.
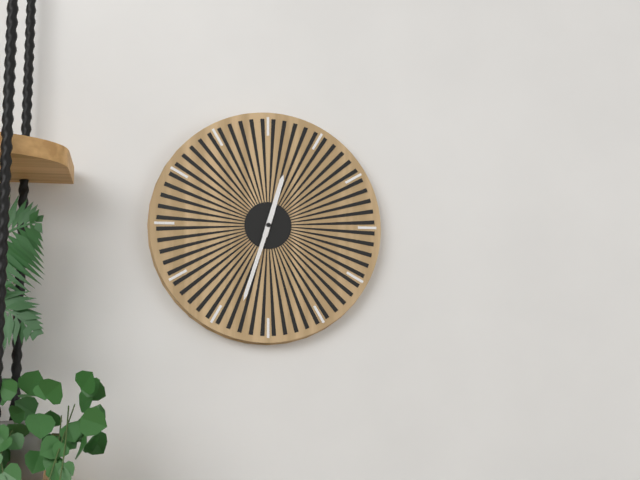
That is 12h33
